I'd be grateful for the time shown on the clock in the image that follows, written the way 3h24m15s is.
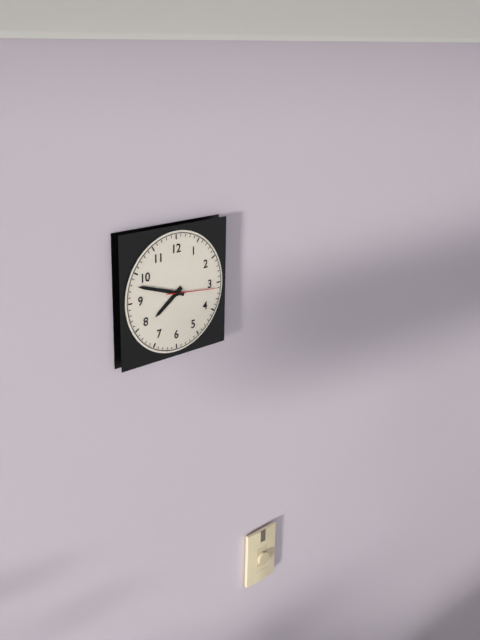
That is 7h48m16s
